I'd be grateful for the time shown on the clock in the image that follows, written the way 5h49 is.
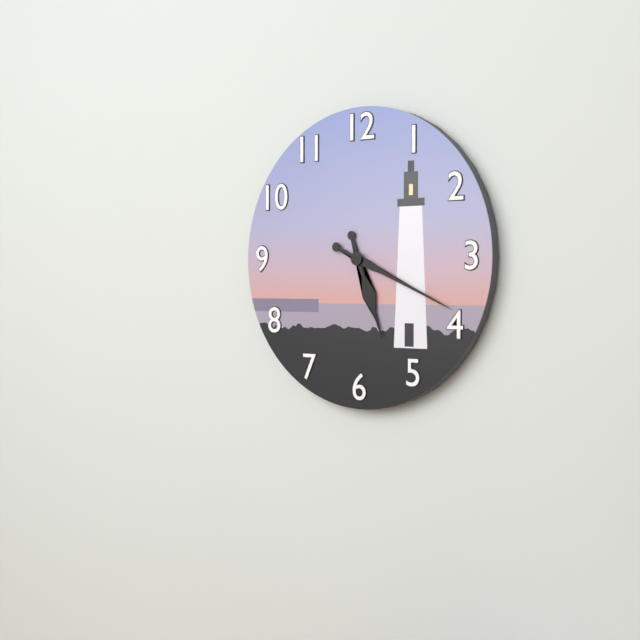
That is 5h19
